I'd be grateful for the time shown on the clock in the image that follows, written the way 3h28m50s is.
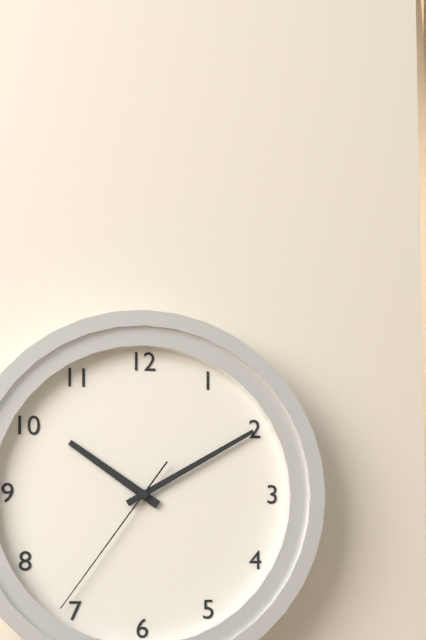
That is 10h10m36s
